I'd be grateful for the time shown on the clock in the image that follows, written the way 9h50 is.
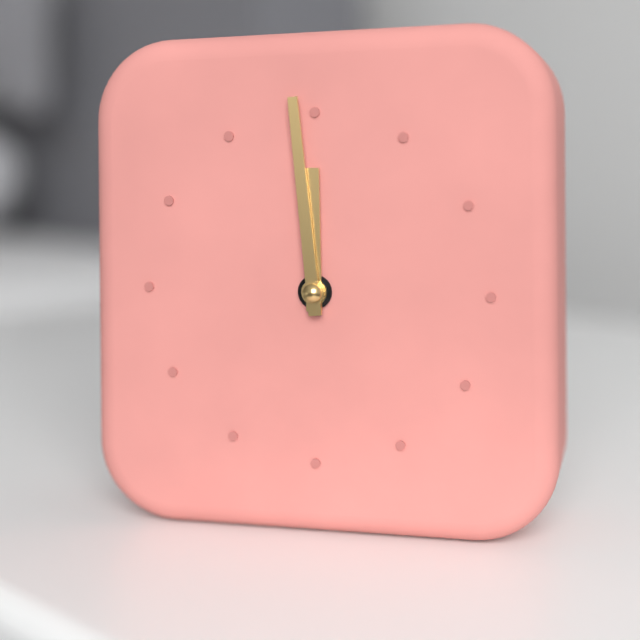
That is 11h59
